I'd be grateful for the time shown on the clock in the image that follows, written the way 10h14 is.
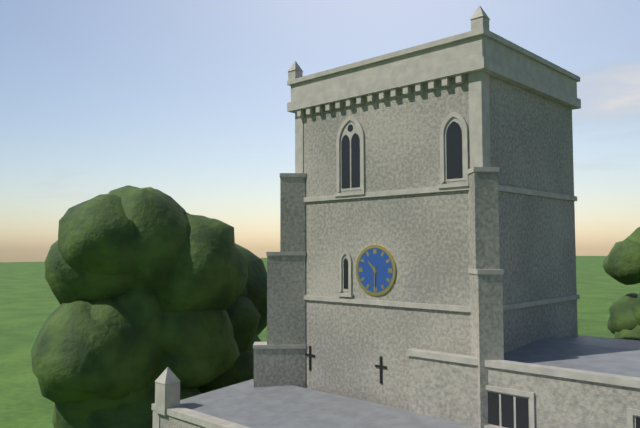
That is 10h30
